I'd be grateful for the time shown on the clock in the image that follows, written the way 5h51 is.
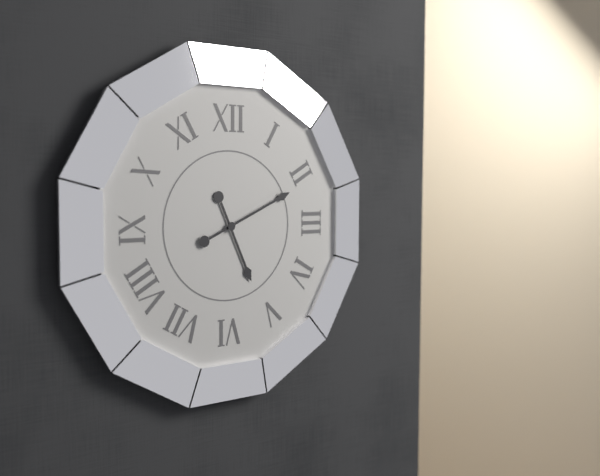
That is 5h11
